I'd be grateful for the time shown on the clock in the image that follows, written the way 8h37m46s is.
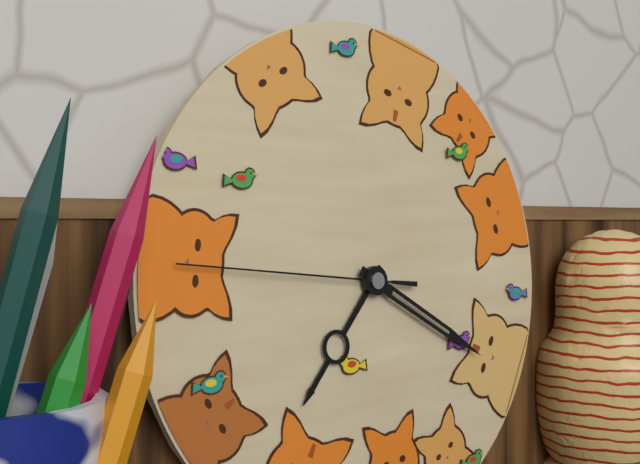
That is 7h20m46s
